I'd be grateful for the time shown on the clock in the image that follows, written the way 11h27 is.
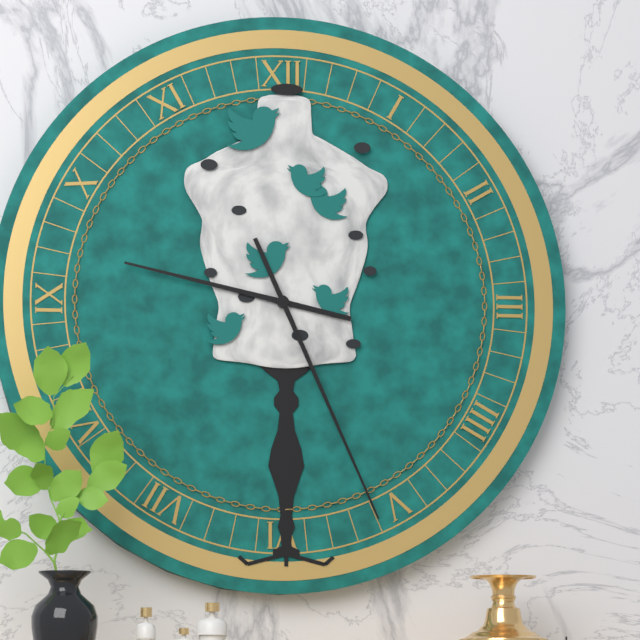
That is 9h26
